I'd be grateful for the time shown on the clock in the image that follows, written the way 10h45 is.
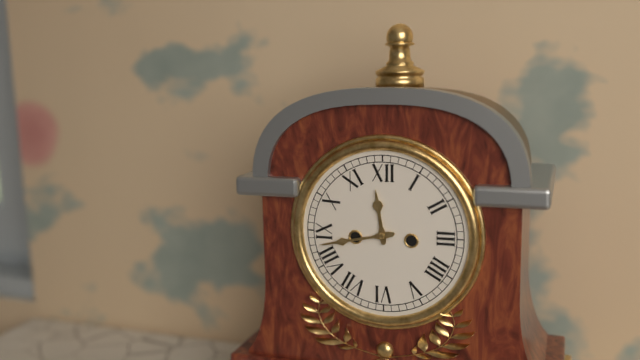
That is 11h43
